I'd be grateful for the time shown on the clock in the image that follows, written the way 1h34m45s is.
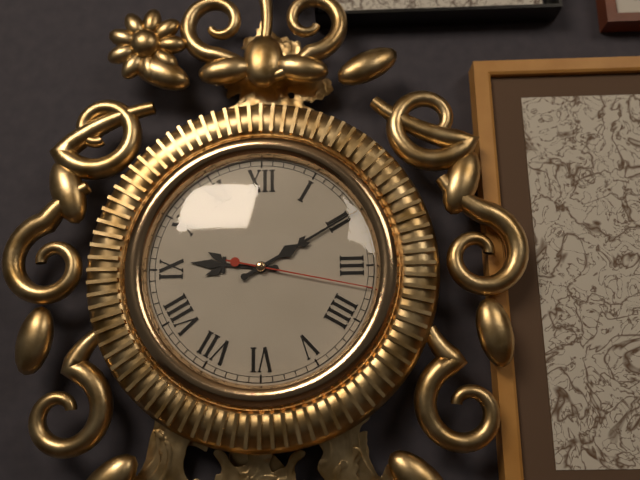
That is 9h10m17s
